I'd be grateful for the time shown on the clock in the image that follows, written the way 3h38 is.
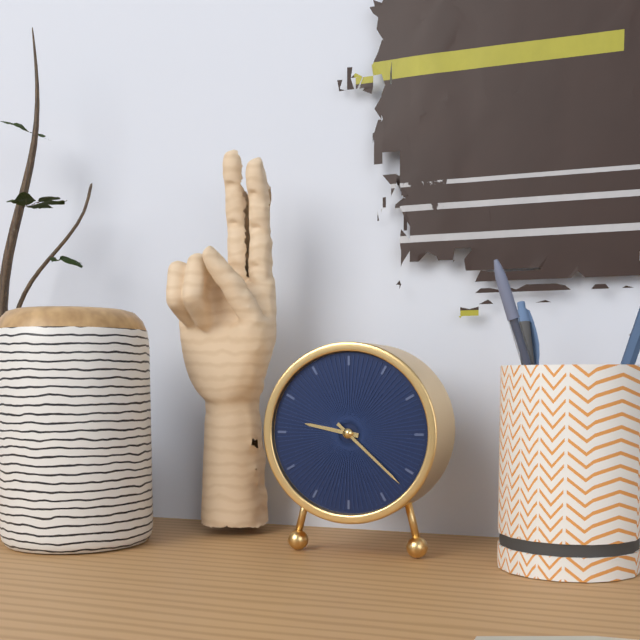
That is 9h22
